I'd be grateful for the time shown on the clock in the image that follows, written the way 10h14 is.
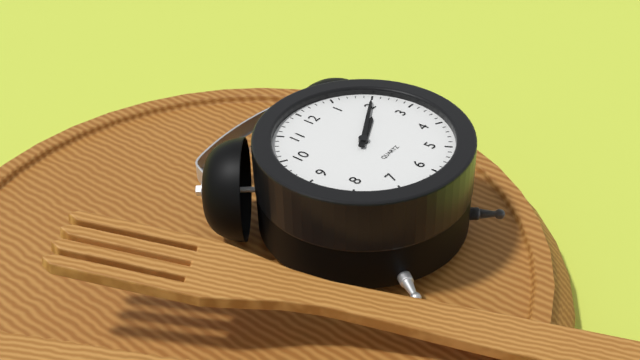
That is 2h10
